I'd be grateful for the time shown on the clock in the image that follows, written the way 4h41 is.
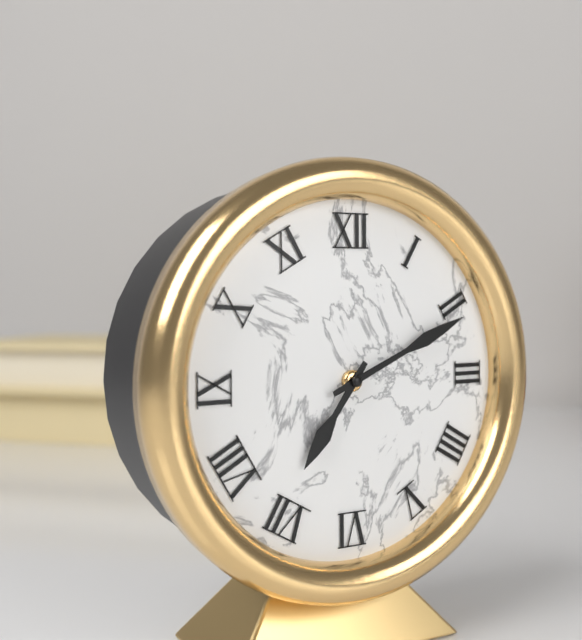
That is 7h11
